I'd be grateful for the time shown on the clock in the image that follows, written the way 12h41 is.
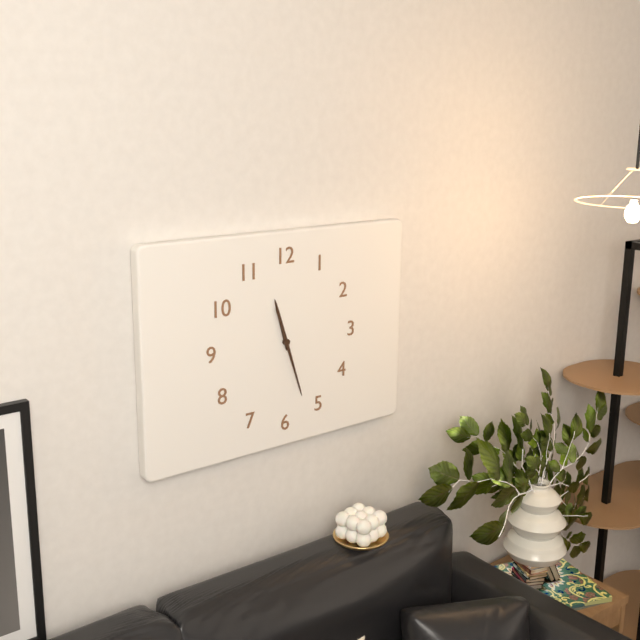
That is 11h27
